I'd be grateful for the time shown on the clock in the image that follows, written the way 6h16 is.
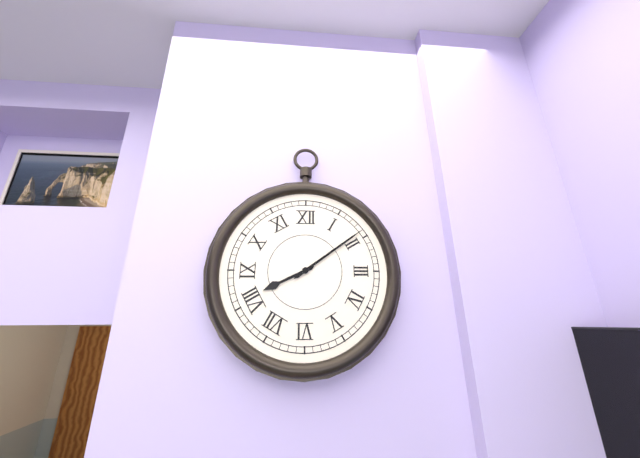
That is 8h09
